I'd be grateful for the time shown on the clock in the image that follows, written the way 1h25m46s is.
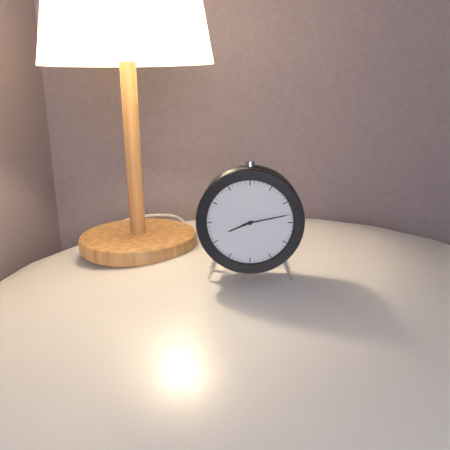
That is 8h13m13s
